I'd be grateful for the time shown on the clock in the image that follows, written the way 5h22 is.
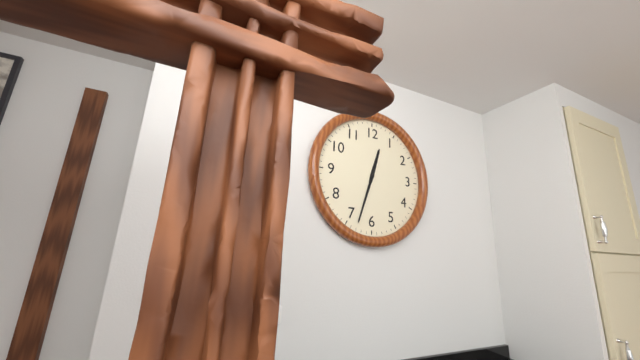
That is 12h33
